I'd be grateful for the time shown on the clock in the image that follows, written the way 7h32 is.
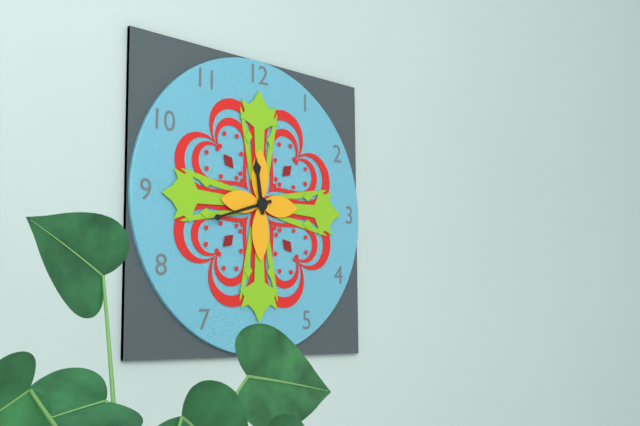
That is 11h42
